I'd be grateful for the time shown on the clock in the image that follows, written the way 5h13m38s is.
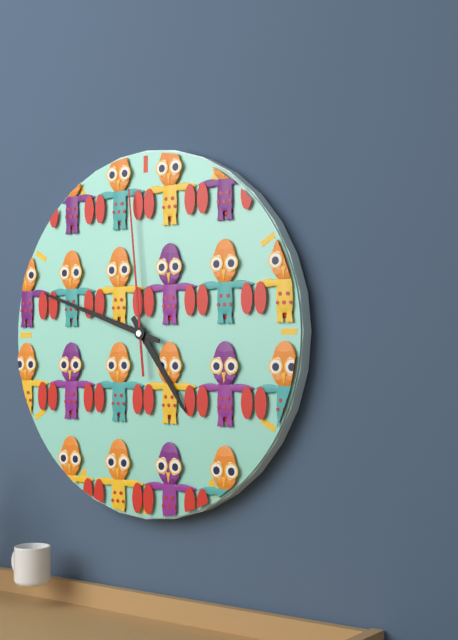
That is 4h48m59s
